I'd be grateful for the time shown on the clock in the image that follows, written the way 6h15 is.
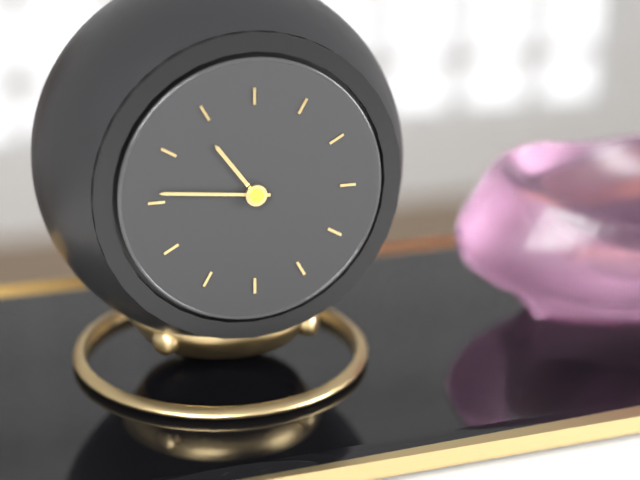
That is 10h46
